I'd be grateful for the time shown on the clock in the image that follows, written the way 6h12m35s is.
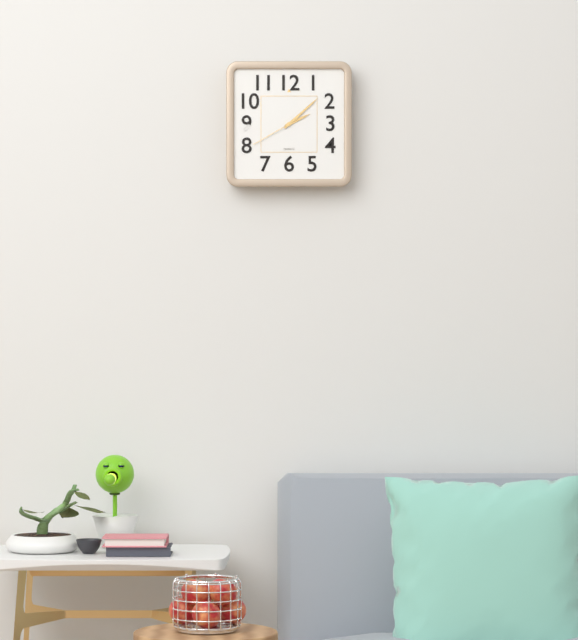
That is 2h08m40s
